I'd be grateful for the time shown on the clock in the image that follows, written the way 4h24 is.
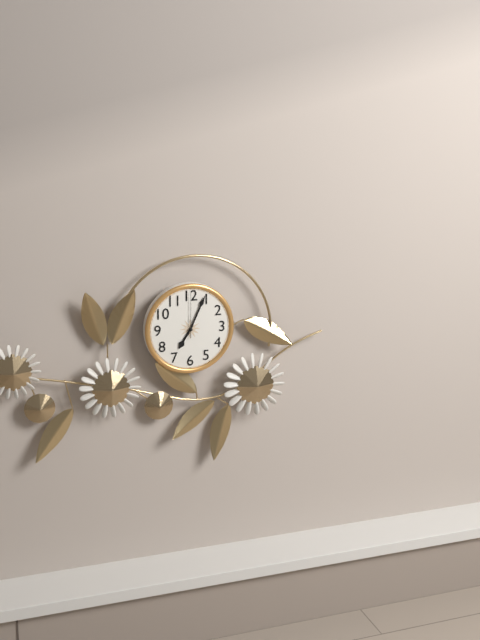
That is 7h04
